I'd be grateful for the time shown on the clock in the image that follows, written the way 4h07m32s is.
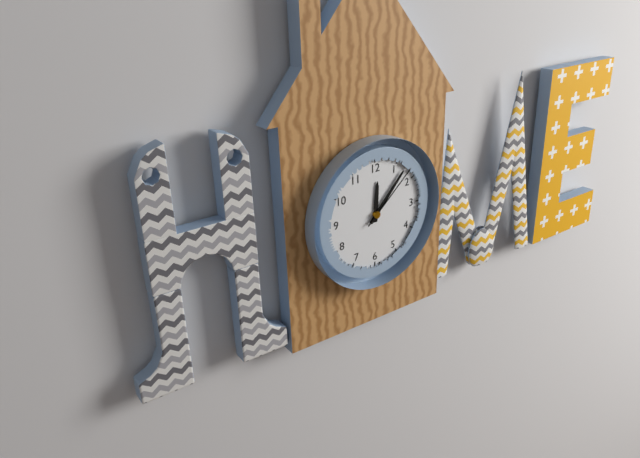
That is 12h07m08s
